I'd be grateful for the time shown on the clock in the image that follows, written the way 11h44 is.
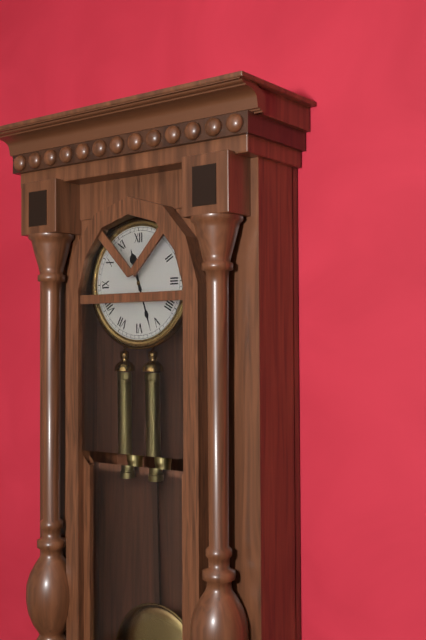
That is 11h27
